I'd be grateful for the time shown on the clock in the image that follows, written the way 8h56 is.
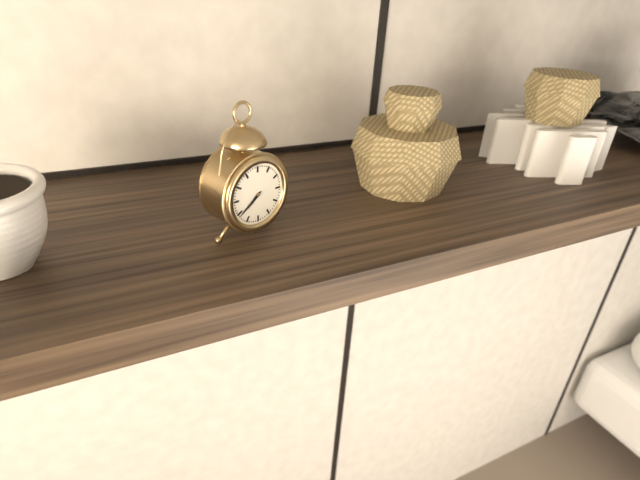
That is 7h39
